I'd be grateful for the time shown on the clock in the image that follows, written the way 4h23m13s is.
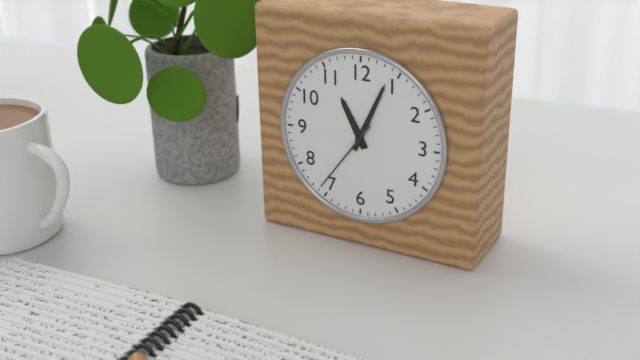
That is 11h04m36s
